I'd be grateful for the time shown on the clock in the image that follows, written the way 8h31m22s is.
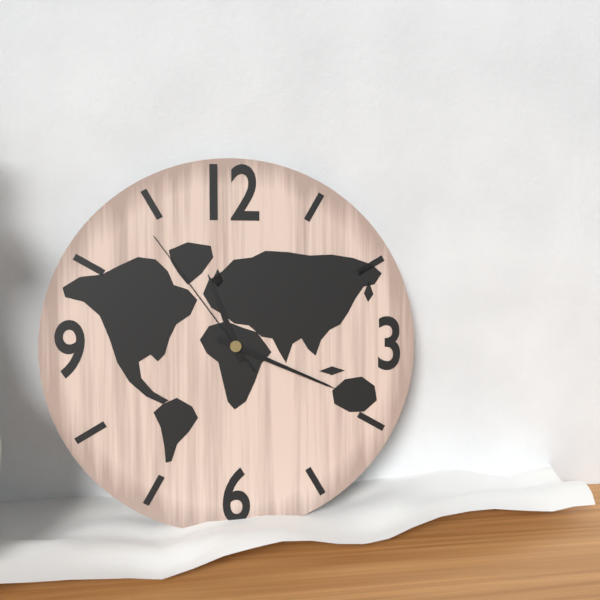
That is 11h19m54s
